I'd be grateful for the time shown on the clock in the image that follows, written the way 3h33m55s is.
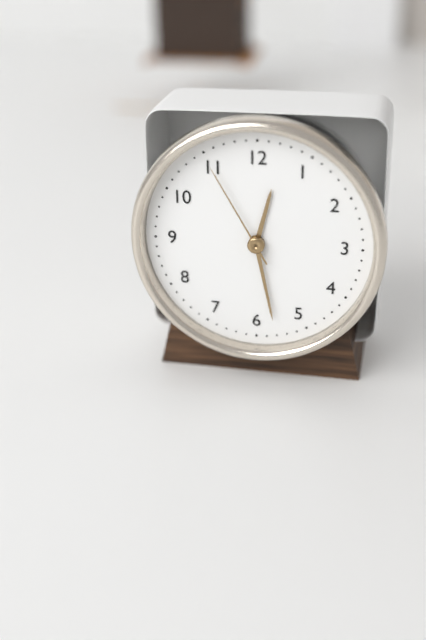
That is 12h28m55s
